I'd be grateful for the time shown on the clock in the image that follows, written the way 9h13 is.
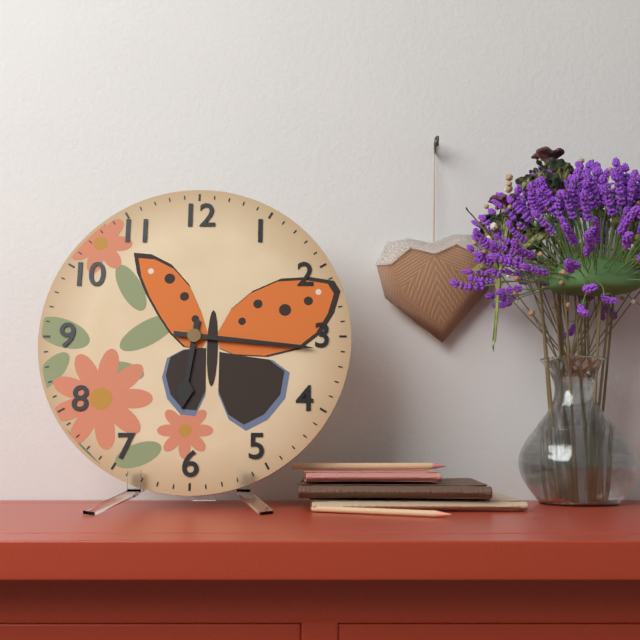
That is 6h16
